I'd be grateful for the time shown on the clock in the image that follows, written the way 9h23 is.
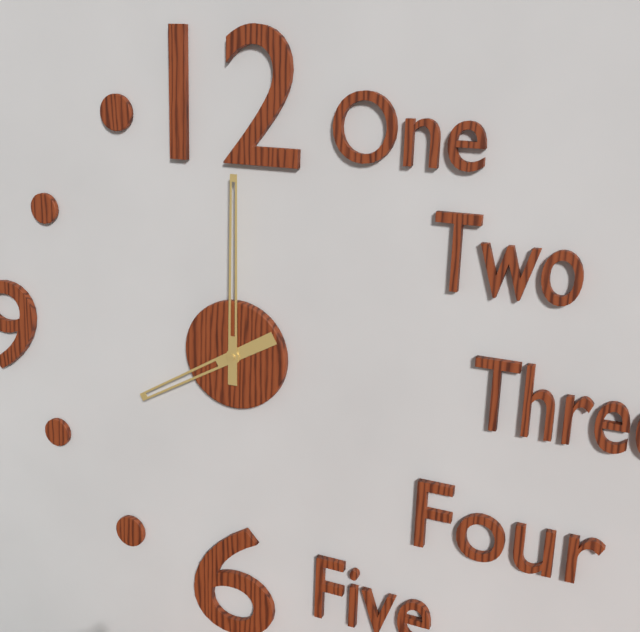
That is 8h00
